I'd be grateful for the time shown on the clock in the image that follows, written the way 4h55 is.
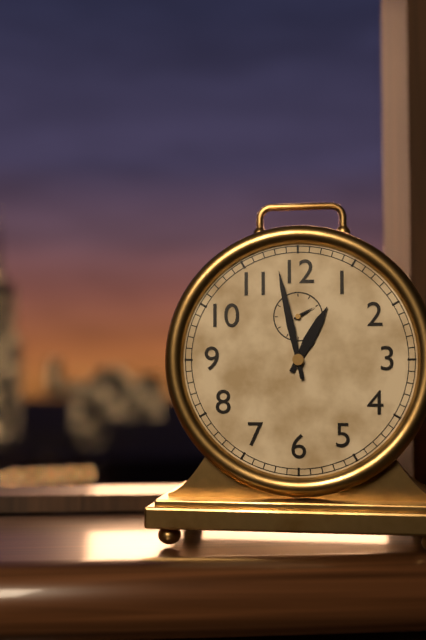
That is 12h58
